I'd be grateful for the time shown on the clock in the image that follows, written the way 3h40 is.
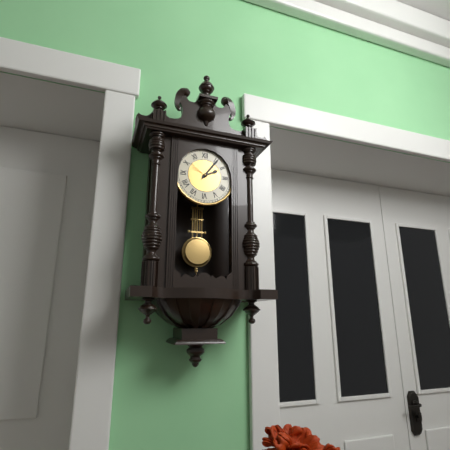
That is 2h06
